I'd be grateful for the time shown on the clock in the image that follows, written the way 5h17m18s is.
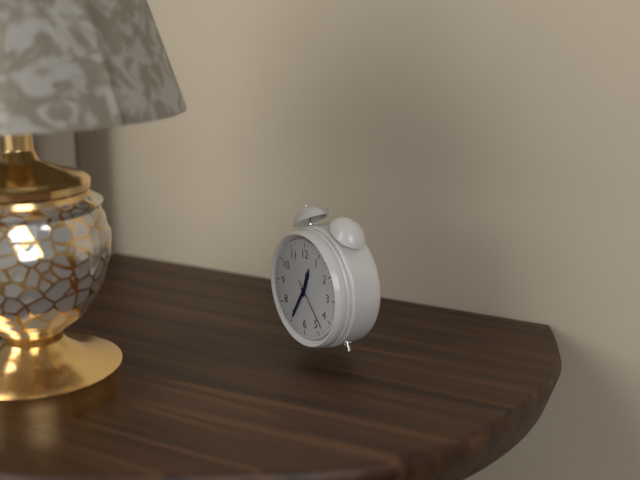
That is 12h35m23s
